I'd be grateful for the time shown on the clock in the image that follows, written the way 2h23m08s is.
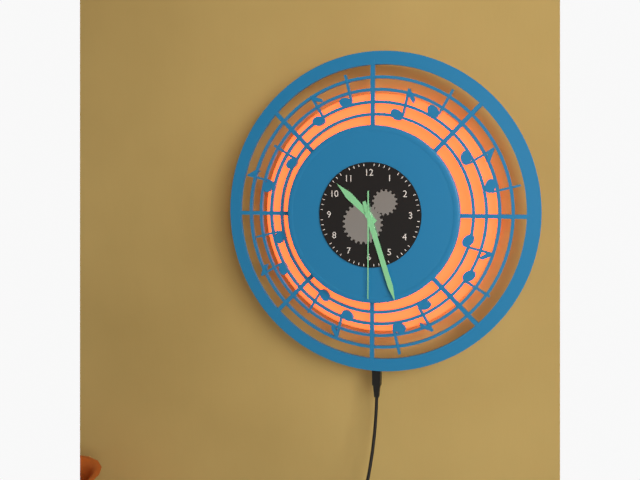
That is 10h27m30s
